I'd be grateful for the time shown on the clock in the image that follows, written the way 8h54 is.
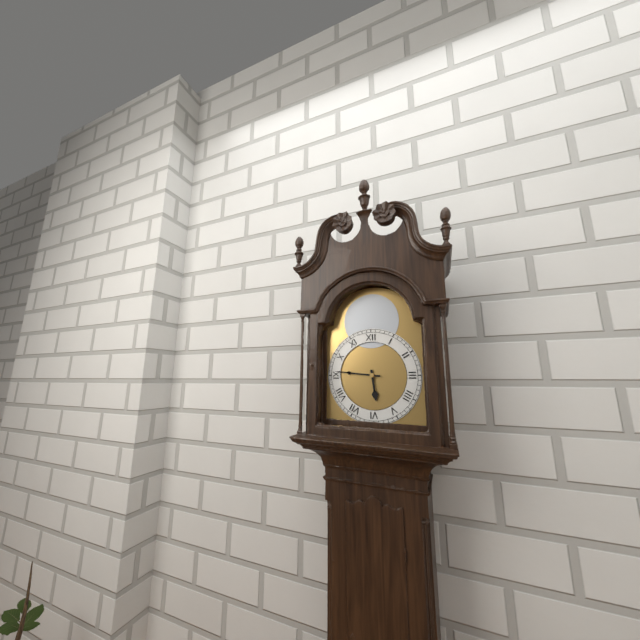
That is 5h46
